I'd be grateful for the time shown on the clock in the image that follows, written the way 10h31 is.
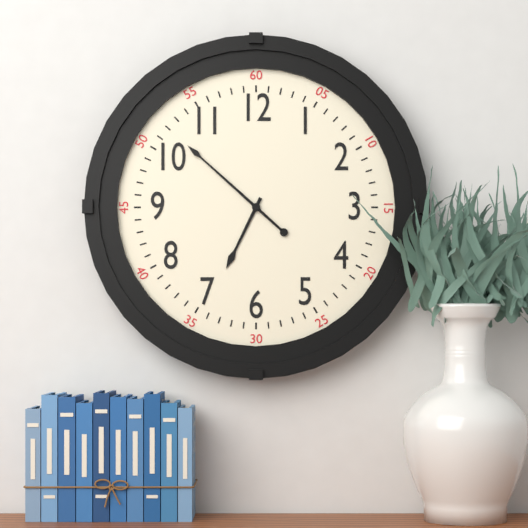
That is 6h52
